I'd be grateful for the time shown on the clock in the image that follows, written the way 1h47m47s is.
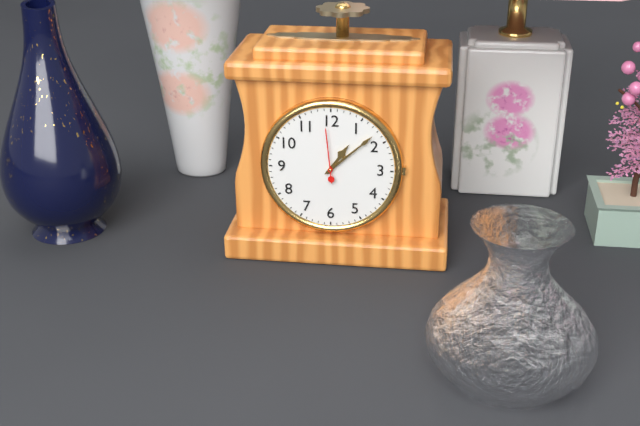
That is 1h08m59s
